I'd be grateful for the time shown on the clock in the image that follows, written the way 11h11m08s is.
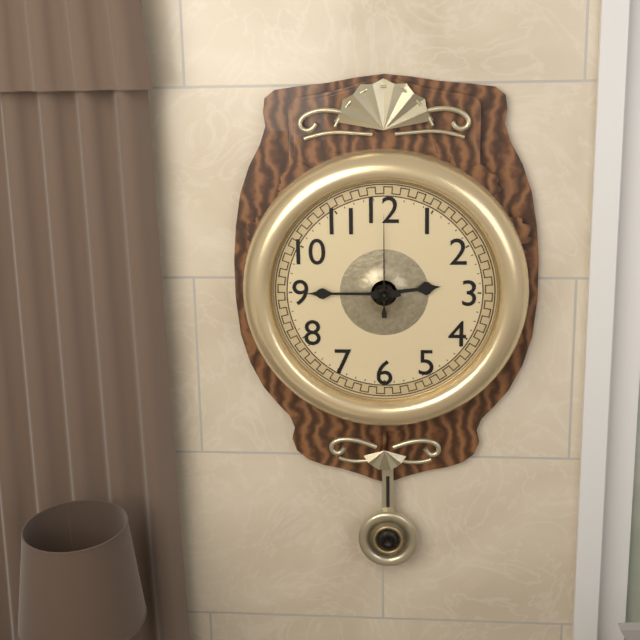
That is 2h45m00s
